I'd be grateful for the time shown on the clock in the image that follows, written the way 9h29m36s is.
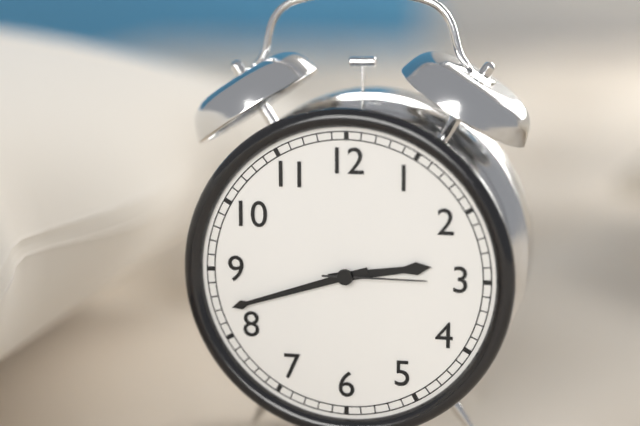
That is 2h42m15s
